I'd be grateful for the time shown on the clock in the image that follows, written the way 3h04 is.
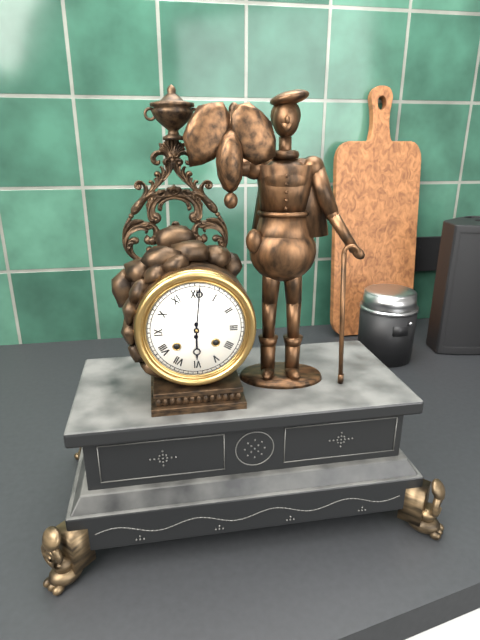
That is 6h01
